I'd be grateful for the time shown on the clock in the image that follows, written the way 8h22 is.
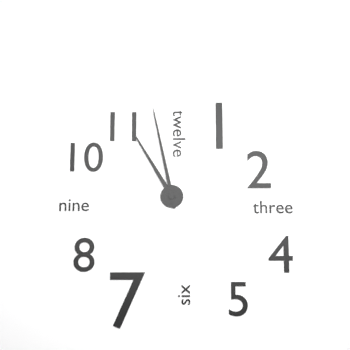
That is 10h58
